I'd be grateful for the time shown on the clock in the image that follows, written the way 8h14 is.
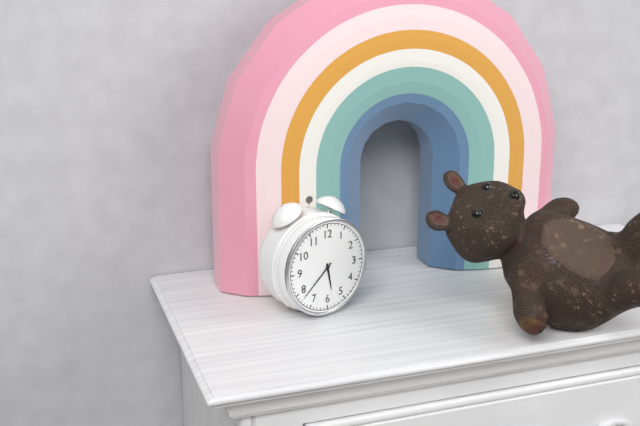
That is 5h38
